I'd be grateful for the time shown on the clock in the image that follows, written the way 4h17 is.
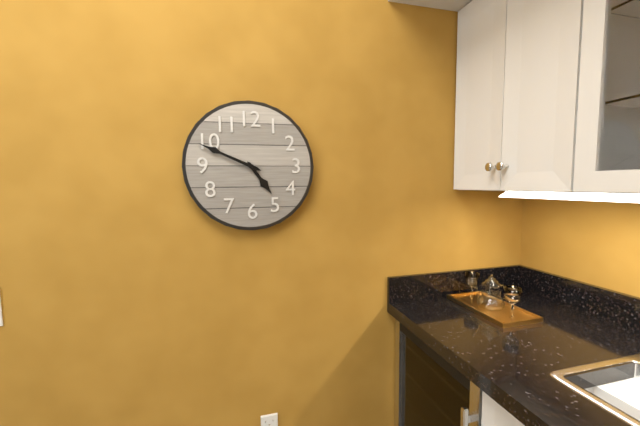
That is 4h49
